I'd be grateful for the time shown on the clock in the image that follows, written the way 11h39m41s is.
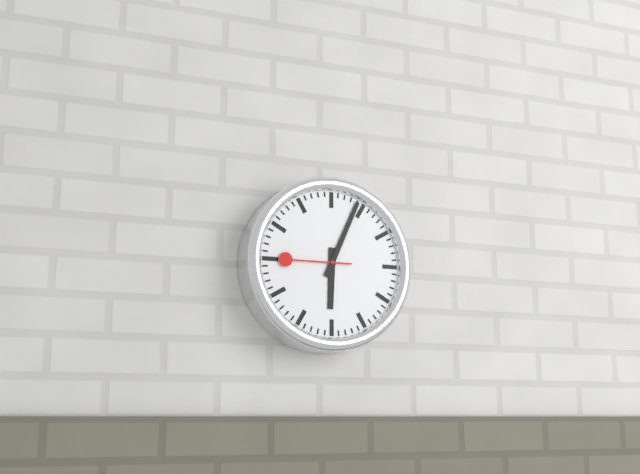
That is 6h04m45s
